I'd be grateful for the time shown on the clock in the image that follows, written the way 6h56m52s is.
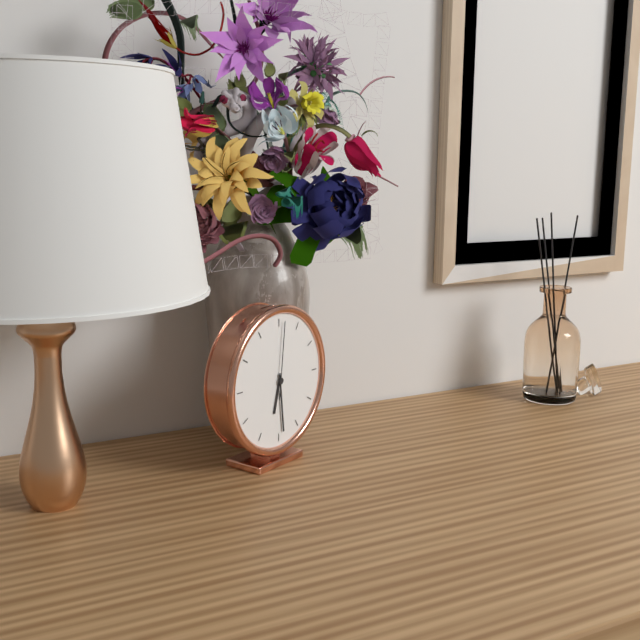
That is 6h29m01s
